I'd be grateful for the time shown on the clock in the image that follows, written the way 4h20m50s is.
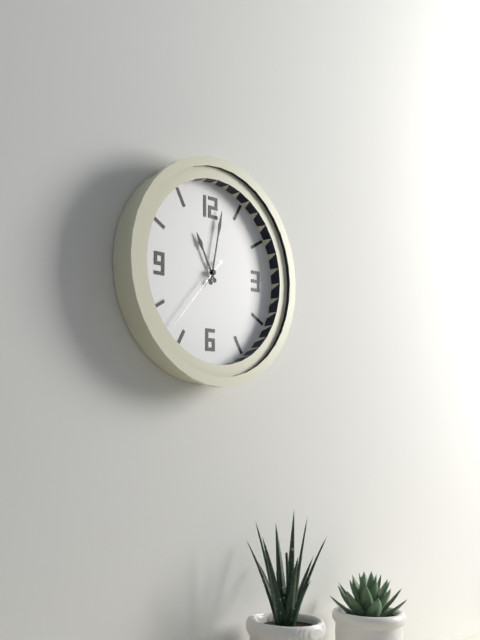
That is 11h02m37s
